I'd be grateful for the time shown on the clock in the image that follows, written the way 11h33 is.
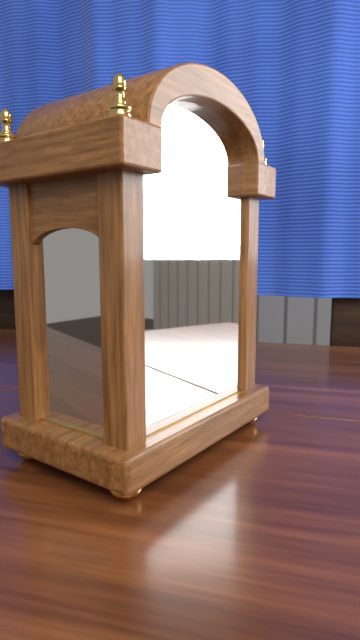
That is 11h59
